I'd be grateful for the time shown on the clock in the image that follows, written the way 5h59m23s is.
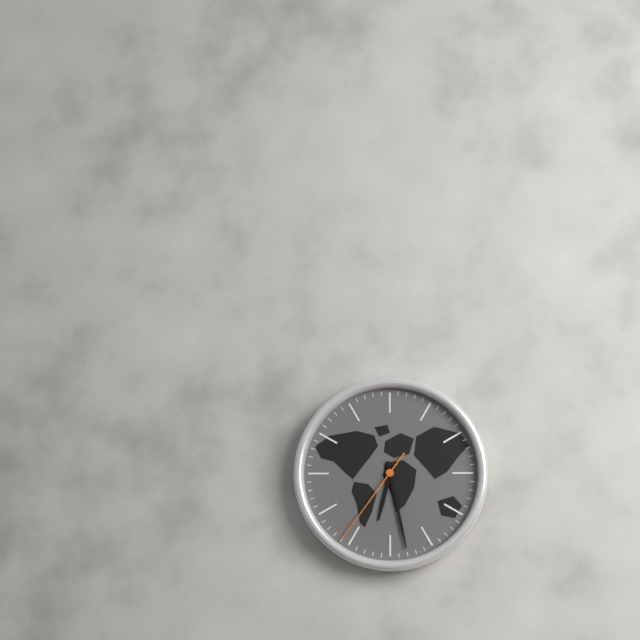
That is 6h28m36s
